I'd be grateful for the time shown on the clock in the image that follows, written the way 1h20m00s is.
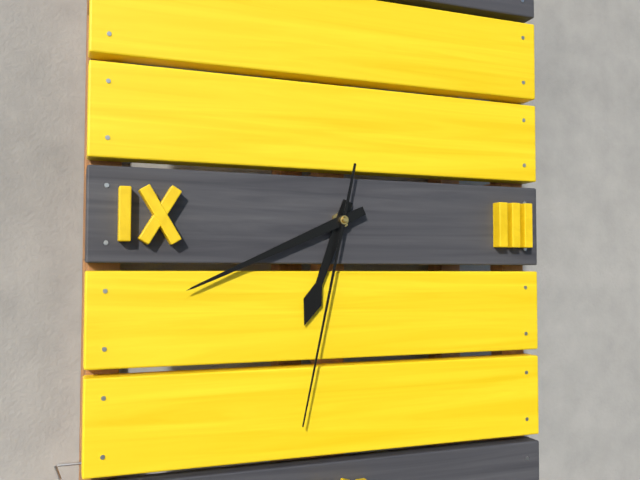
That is 6h41m32s
